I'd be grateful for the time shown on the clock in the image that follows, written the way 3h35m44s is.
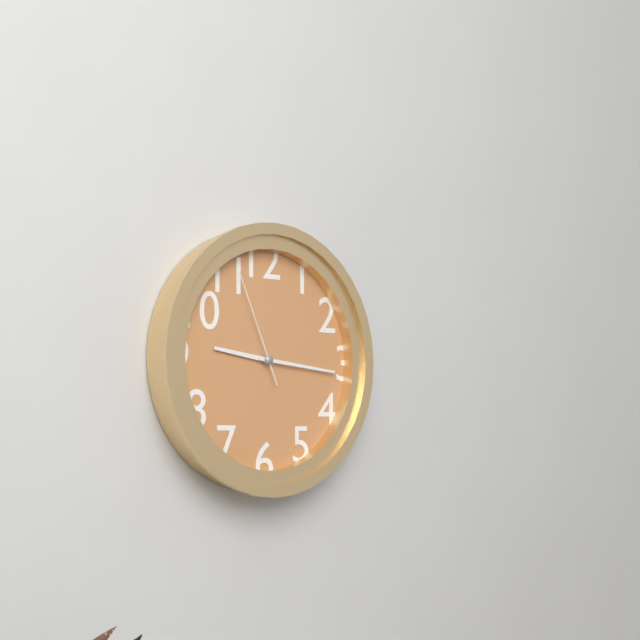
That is 9h16m56s
